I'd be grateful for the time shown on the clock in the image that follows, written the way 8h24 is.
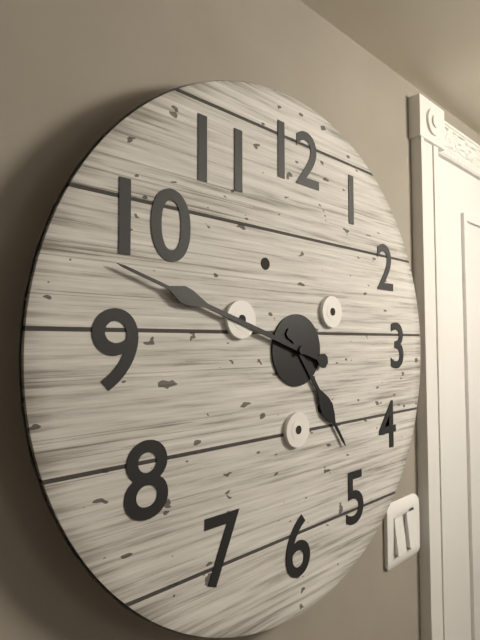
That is 4h48
